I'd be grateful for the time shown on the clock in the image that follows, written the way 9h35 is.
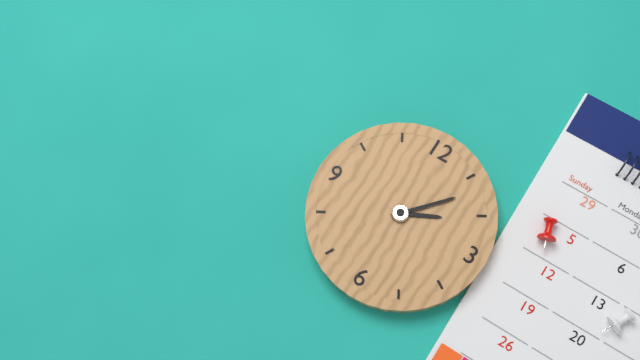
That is 2h07
